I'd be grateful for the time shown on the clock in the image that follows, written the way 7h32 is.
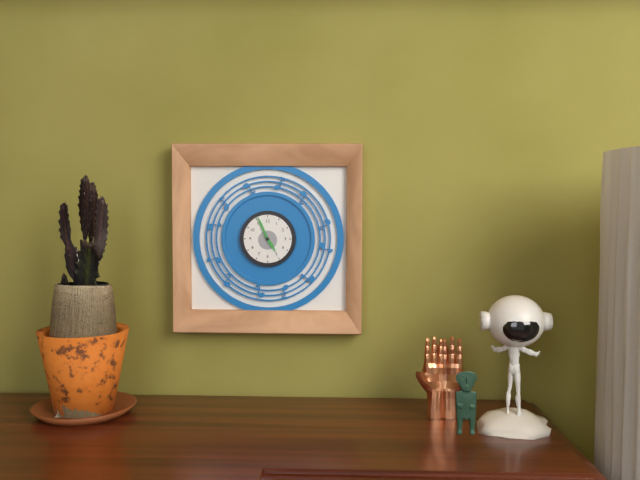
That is 4h56
